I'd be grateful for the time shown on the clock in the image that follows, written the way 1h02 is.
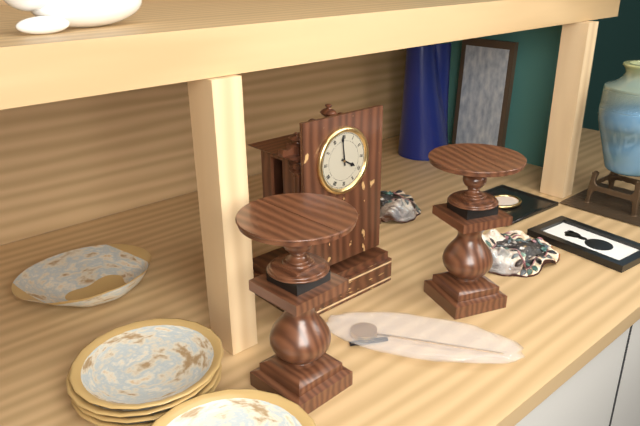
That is 3h59
